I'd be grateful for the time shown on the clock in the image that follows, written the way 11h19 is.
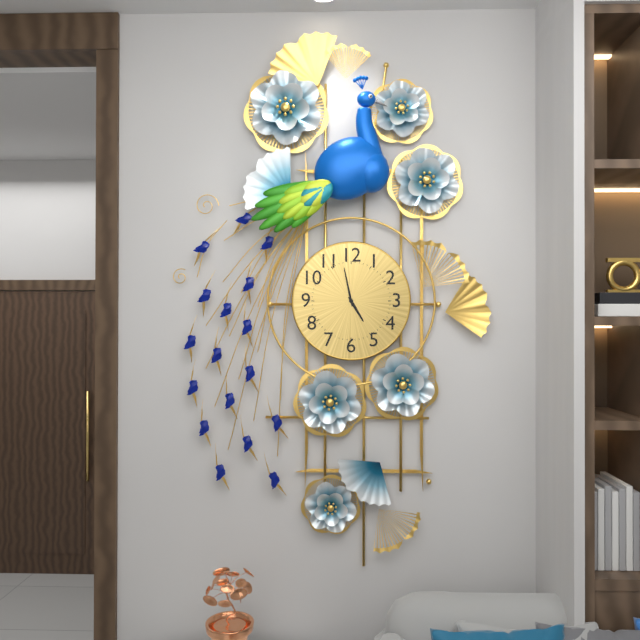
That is 4h58
